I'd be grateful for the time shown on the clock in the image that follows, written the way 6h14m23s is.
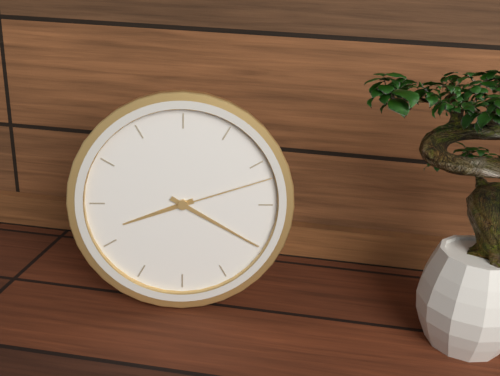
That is 8h20m12s
